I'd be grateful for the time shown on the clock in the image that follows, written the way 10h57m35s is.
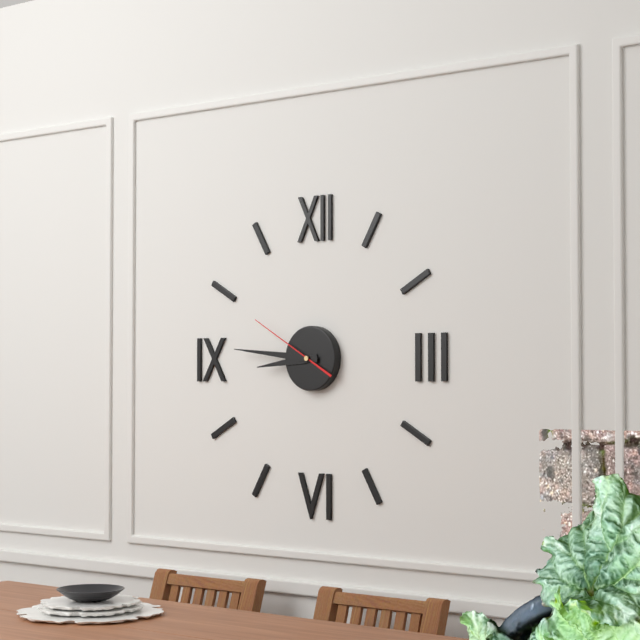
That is 8h46m50s
